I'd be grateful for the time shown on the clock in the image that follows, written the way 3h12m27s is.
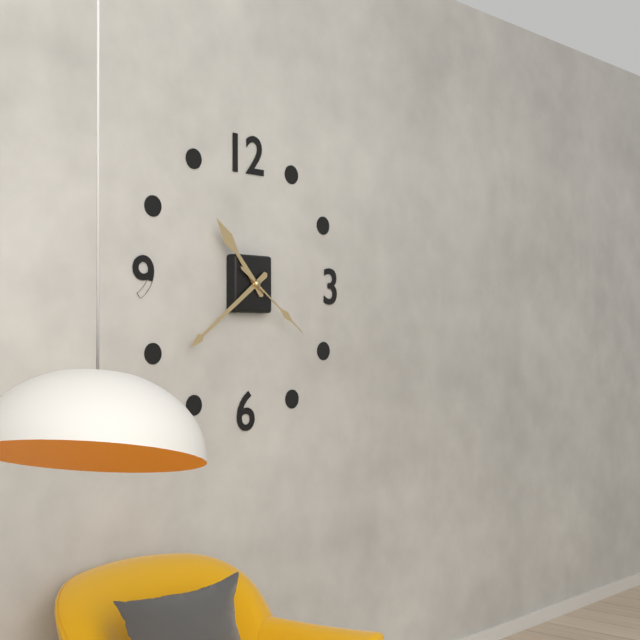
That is 10h39m21s
